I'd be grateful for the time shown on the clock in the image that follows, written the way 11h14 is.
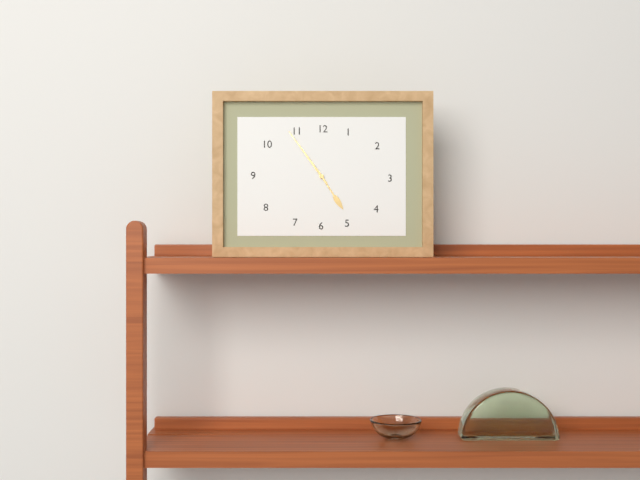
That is 4h54
